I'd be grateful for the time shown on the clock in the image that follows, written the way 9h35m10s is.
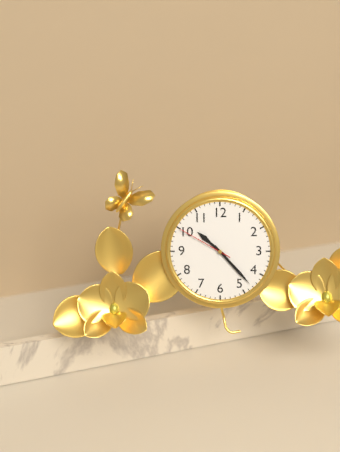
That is 10h23m50s
